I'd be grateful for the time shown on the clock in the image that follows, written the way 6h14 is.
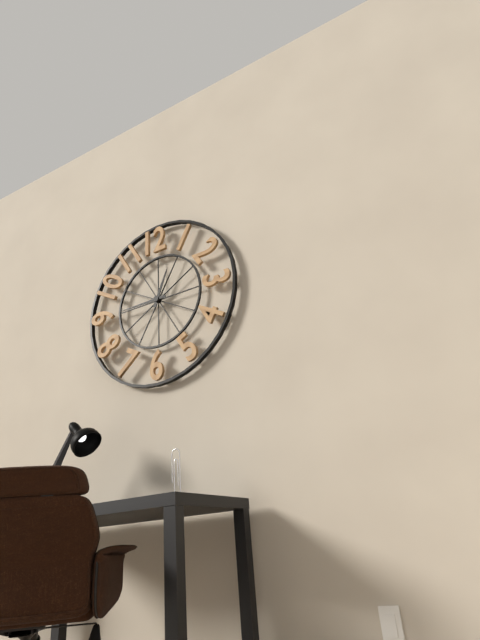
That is 12h45
